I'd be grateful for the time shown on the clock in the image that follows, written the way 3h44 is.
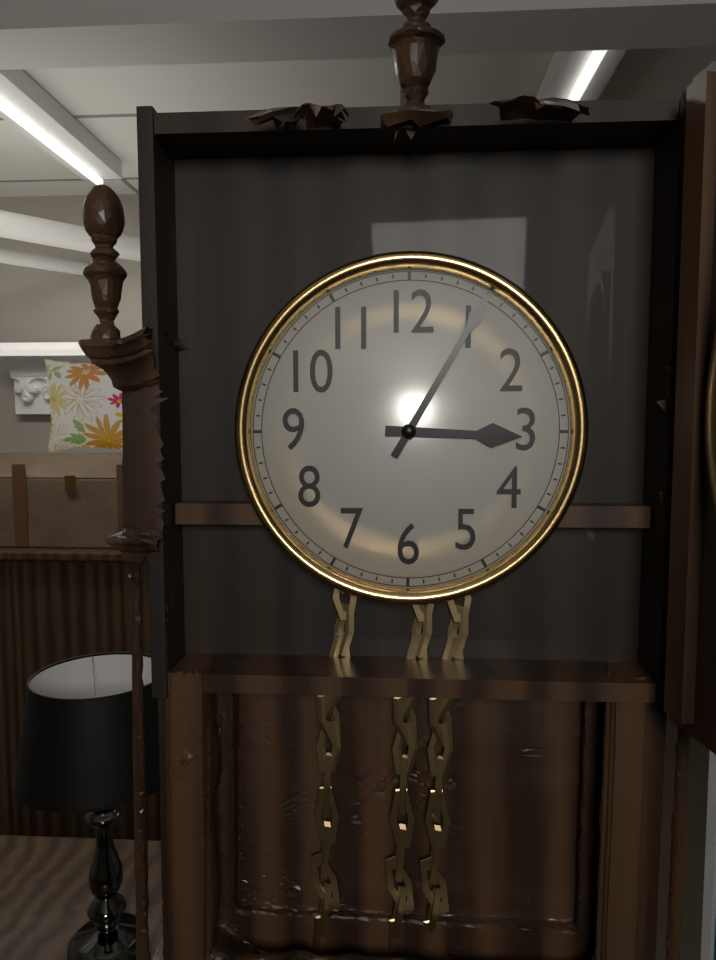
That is 3h05
